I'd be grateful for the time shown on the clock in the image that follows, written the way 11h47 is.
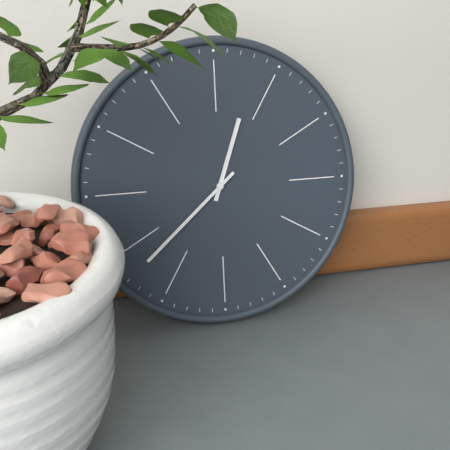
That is 12h38
